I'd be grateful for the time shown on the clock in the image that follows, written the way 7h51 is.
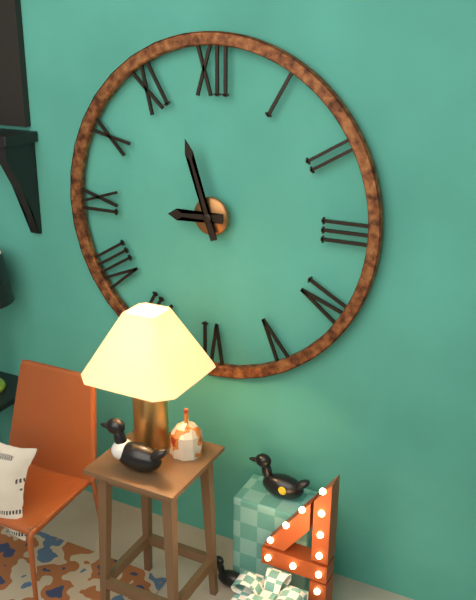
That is 8h57
